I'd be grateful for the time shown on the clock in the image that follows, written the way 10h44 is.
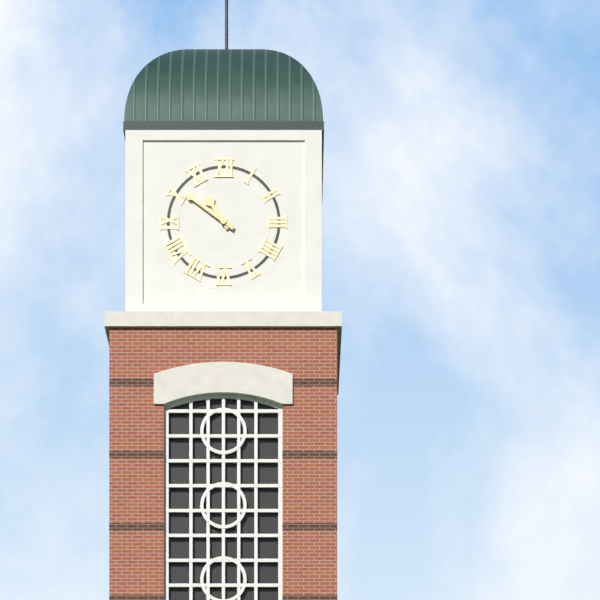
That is 10h51
